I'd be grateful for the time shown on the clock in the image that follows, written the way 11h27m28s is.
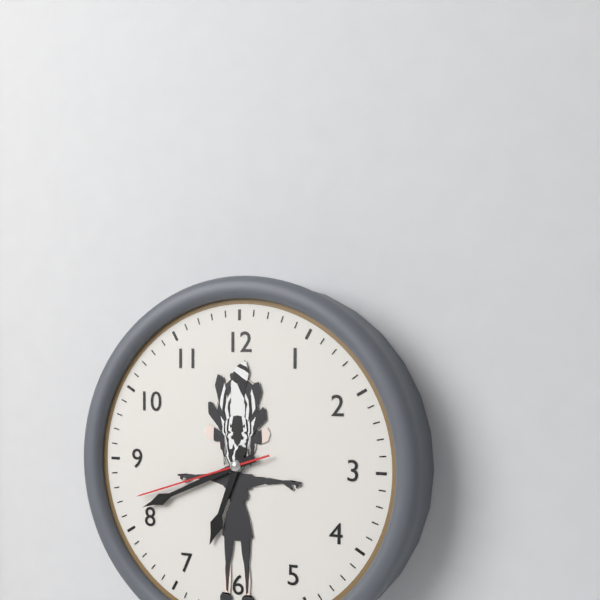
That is 6h41m42s
